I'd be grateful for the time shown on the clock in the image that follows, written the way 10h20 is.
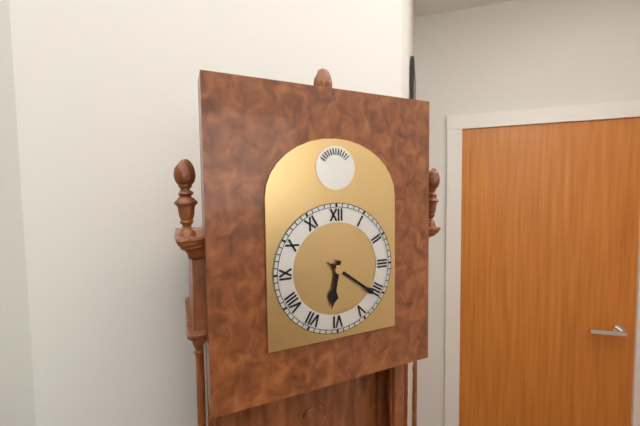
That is 6h21
